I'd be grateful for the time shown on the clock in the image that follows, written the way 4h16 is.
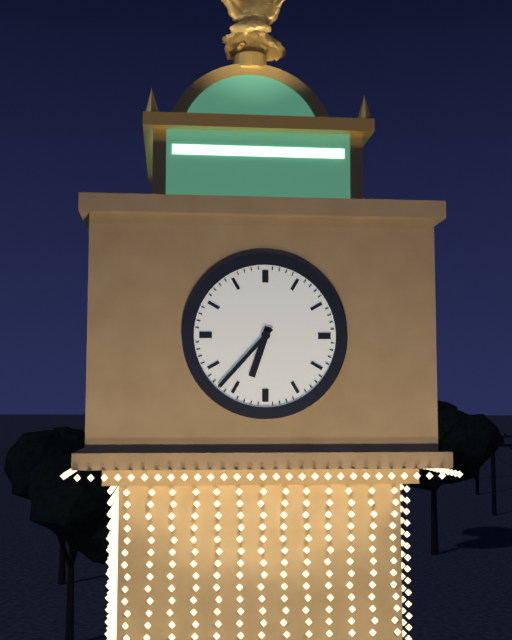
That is 6h37
